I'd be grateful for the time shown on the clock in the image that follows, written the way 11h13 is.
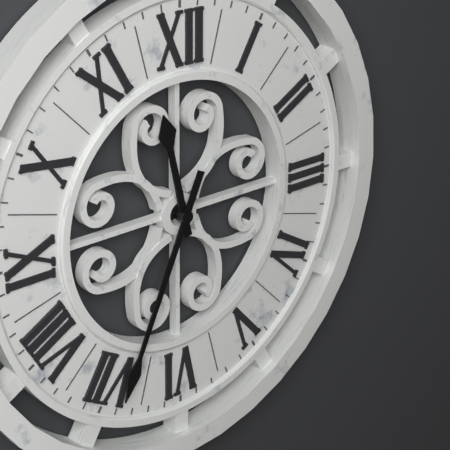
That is 11h34
